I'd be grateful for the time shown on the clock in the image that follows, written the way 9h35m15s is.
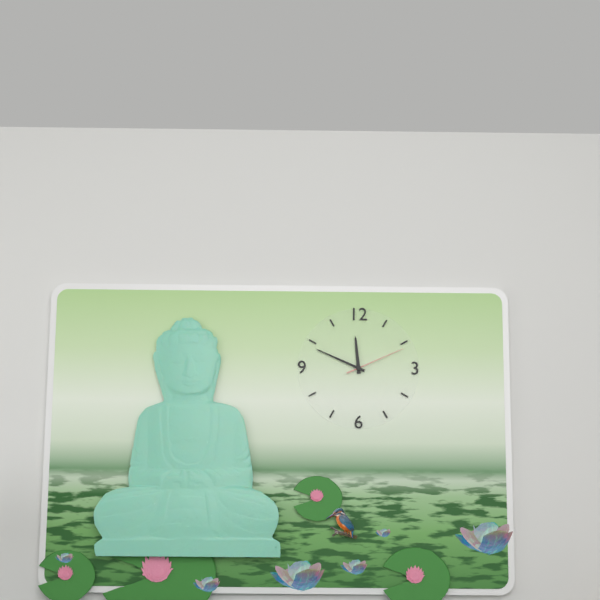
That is 11h49m11s
